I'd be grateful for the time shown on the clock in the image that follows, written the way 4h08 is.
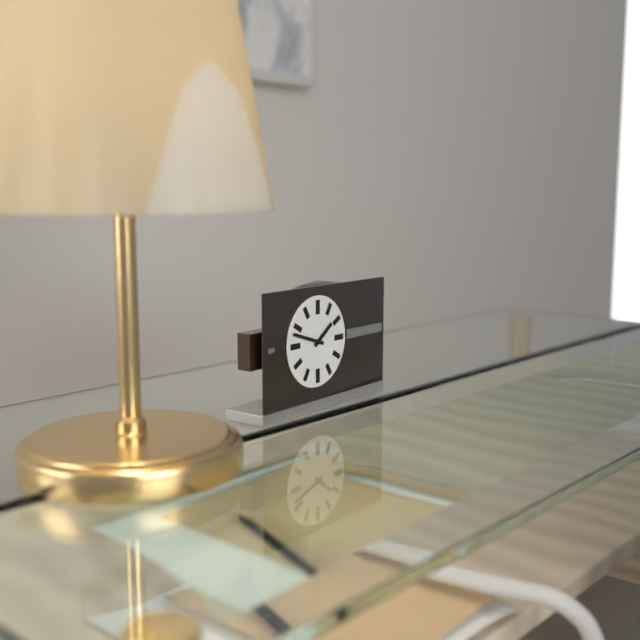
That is 1h48
